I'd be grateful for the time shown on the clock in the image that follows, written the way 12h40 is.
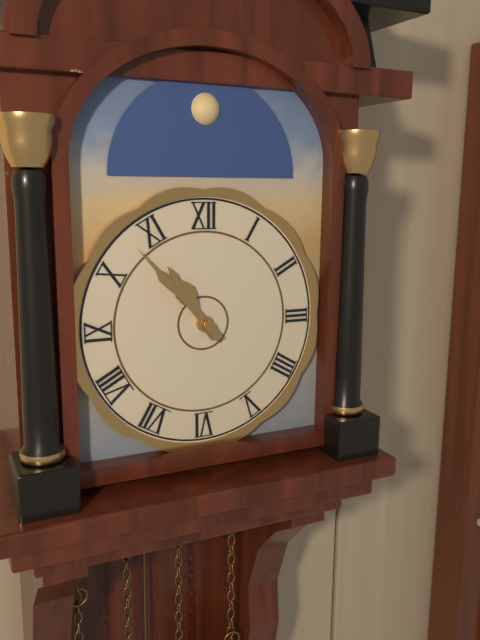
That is 10h53
